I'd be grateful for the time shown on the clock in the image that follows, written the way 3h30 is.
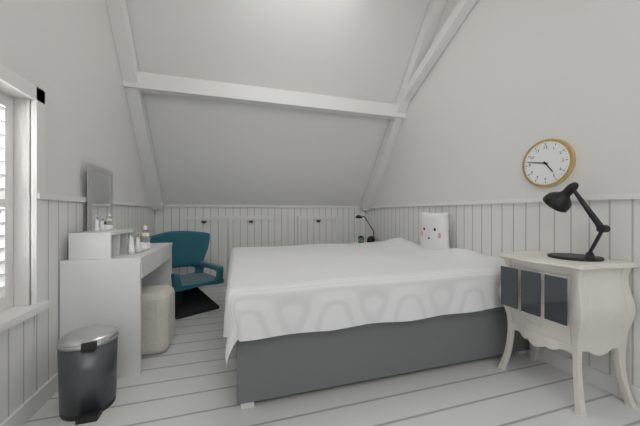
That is 4h47
